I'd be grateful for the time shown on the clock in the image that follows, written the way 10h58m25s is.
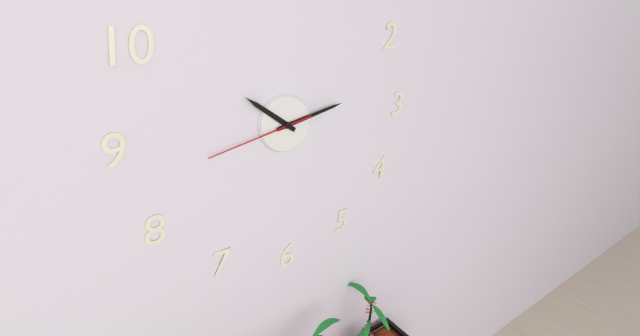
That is 10h13m43s
